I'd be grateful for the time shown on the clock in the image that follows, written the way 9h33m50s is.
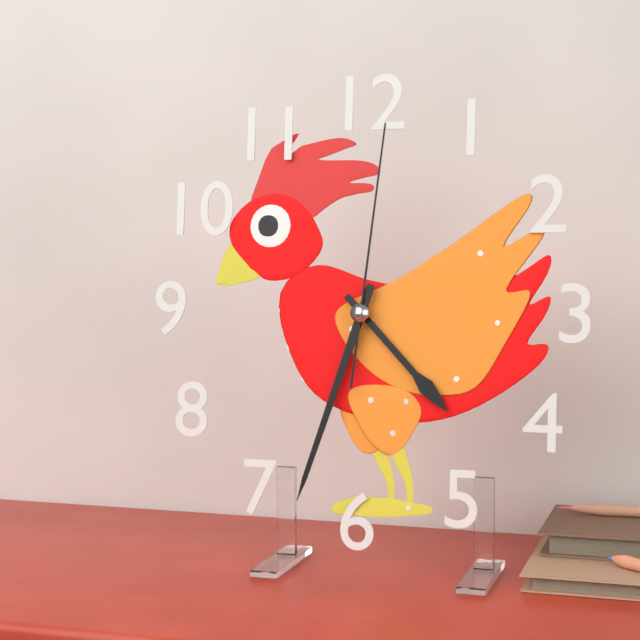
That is 4h33m01s
